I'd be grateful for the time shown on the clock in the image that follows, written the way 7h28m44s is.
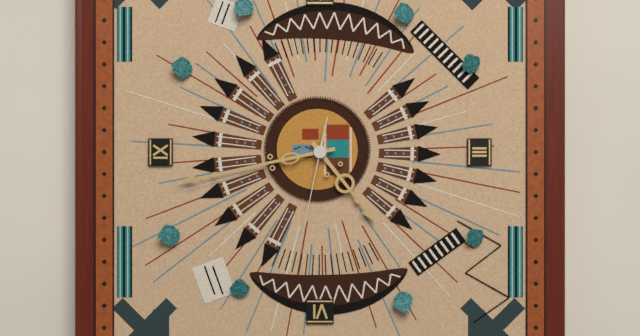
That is 4h43m32s
